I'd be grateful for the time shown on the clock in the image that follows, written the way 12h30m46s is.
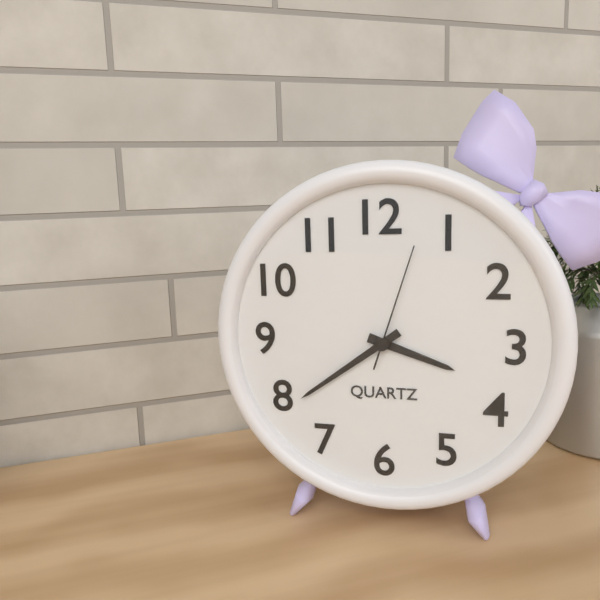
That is 3h39m03s
